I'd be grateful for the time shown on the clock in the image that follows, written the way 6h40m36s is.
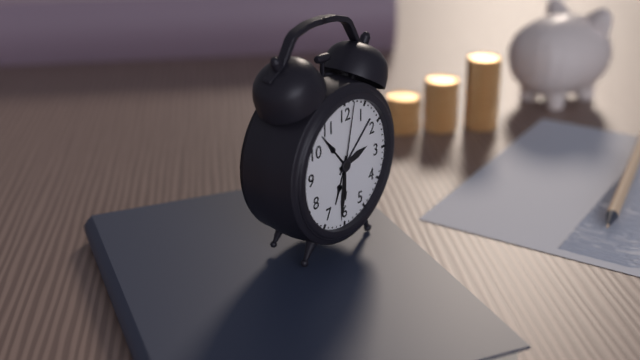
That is 2h31m02s
